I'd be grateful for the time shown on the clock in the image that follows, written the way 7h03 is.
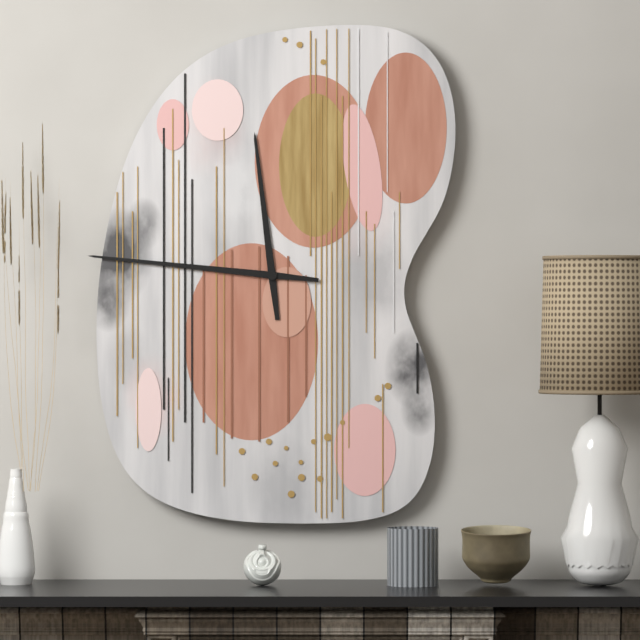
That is 11h46
